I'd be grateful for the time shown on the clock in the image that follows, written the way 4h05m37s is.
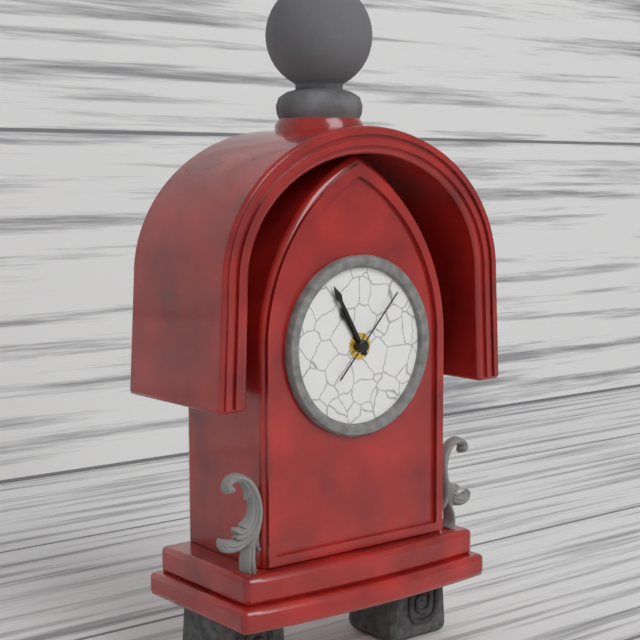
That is 10h55m07s
